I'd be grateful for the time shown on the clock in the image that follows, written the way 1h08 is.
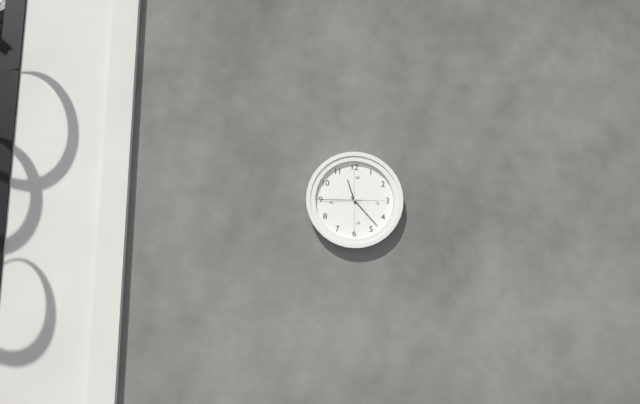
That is 11h23
